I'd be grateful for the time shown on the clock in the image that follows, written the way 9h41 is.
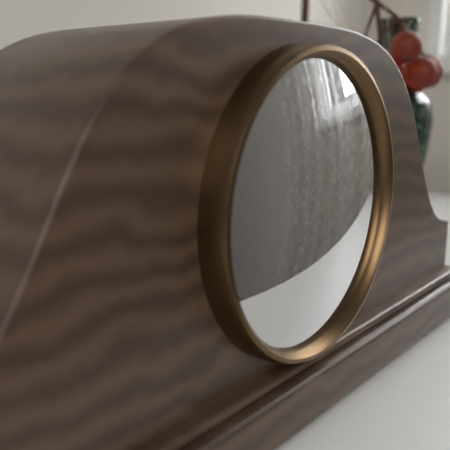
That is 1h29
